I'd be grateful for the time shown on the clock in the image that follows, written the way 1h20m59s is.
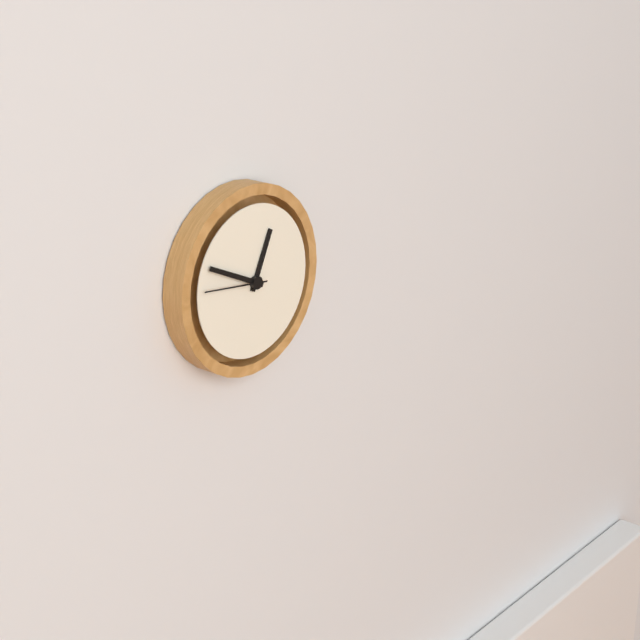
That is 12h49m46s
